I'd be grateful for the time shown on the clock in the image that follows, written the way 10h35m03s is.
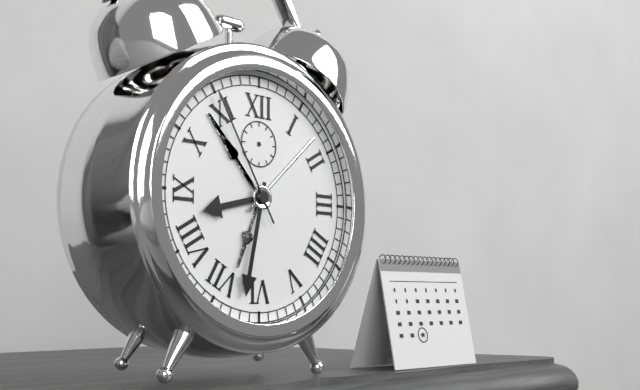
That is 8h32m55s
